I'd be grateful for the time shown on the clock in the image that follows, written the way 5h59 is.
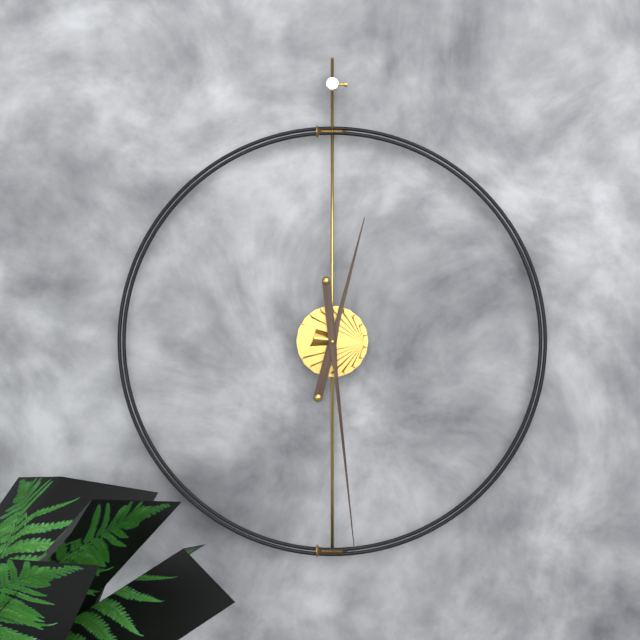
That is 12h29
